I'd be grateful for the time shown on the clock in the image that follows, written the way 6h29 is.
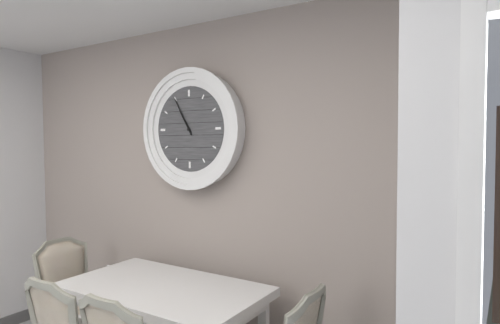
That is 10h55
